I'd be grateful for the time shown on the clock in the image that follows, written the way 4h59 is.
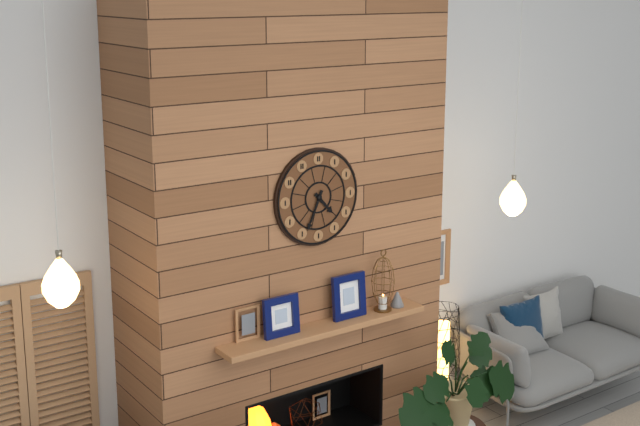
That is 4h34
